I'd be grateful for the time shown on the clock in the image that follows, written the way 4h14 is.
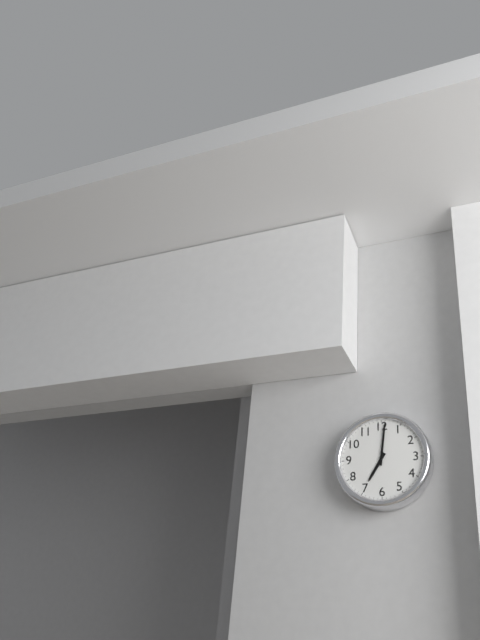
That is 7h01
